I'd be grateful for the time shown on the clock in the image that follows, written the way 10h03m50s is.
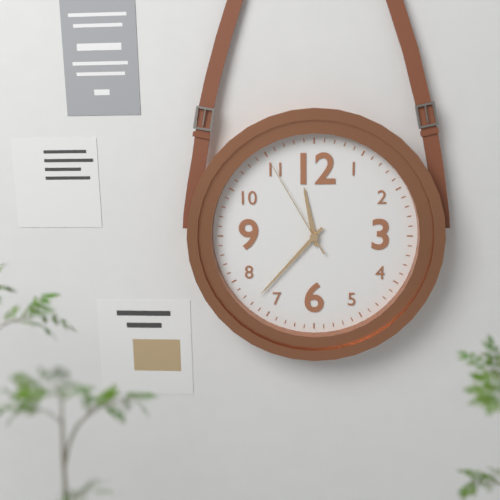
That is 11h37m55s
